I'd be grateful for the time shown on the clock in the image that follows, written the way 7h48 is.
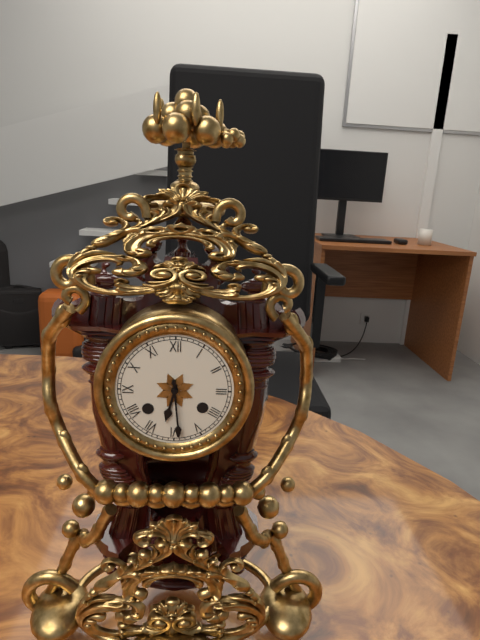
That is 6h29
